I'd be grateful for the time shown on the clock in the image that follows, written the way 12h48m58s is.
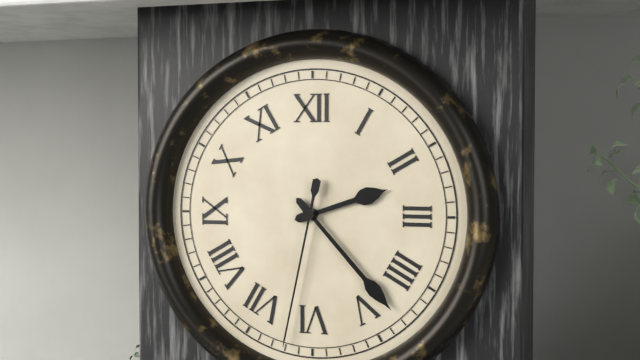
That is 2h23m32s
